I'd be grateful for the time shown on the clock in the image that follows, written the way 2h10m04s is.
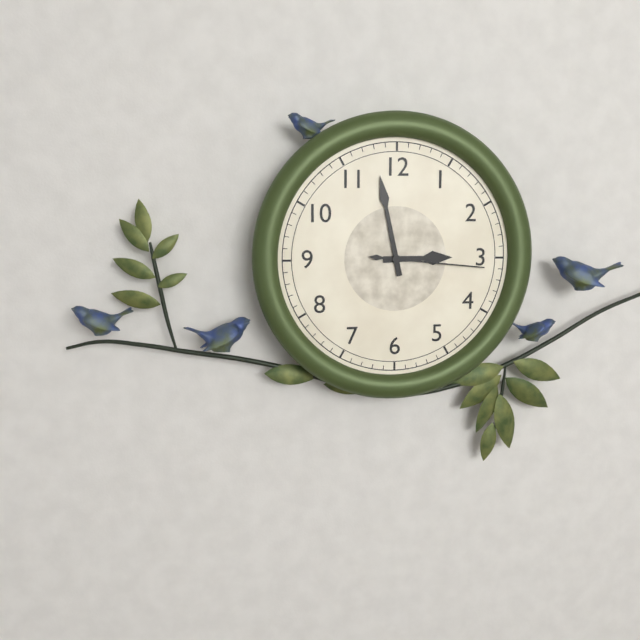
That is 2h58m16s
